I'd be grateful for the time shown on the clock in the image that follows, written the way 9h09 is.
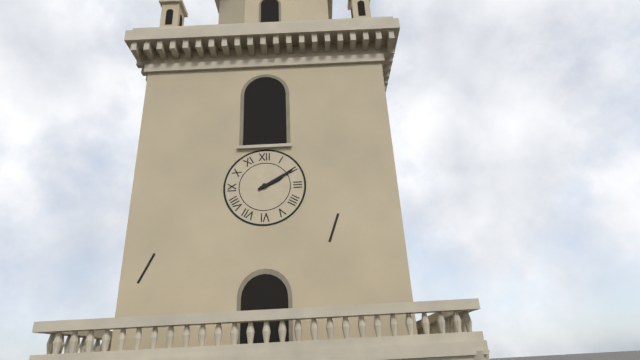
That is 2h10
